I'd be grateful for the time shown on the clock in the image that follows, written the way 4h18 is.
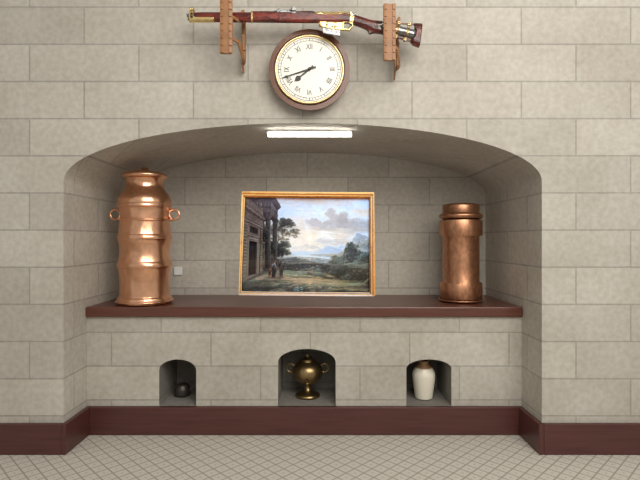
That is 7h42
